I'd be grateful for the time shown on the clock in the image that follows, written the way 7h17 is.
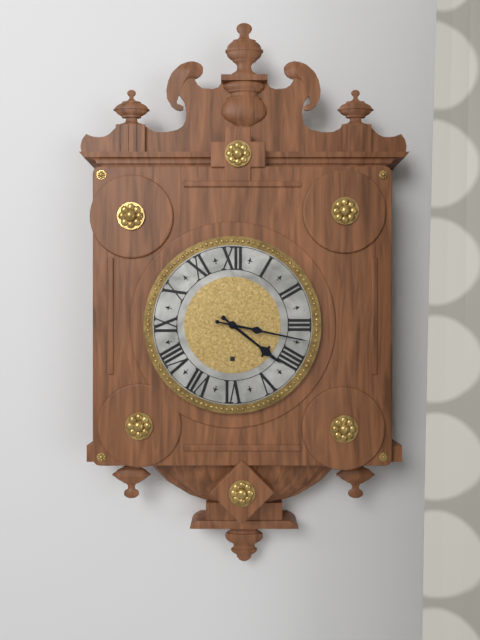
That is 4h17
